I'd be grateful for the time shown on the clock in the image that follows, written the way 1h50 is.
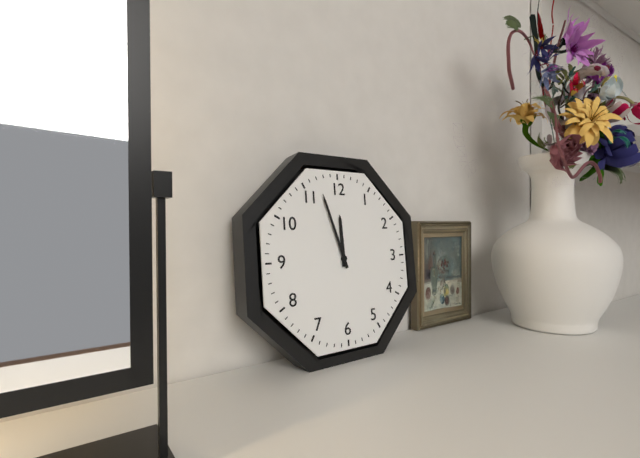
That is 11h57
